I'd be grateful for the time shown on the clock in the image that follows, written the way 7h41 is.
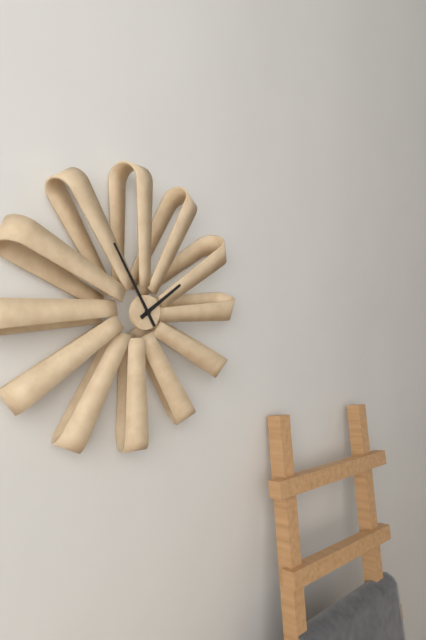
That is 1h55
